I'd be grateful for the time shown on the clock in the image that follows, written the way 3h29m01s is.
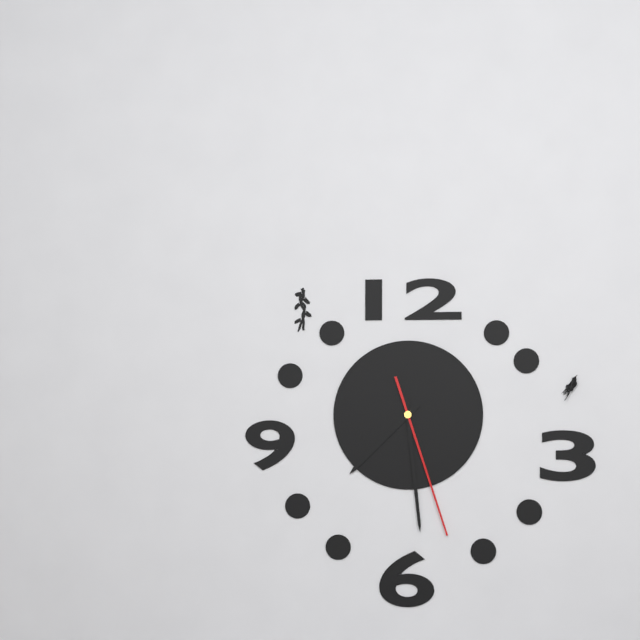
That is 7h29m27s
